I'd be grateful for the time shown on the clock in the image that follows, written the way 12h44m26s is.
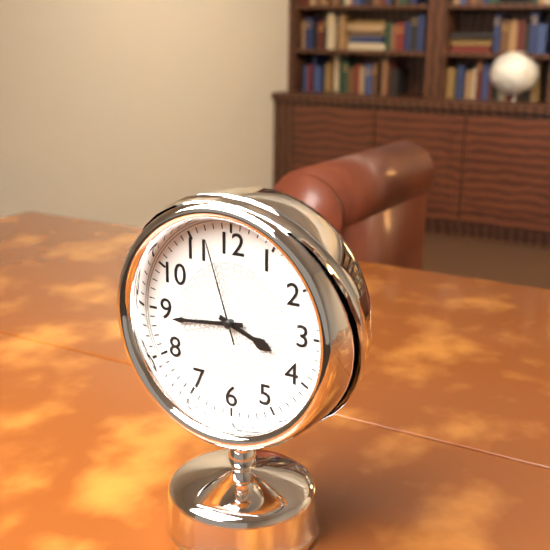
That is 3h44m57s
